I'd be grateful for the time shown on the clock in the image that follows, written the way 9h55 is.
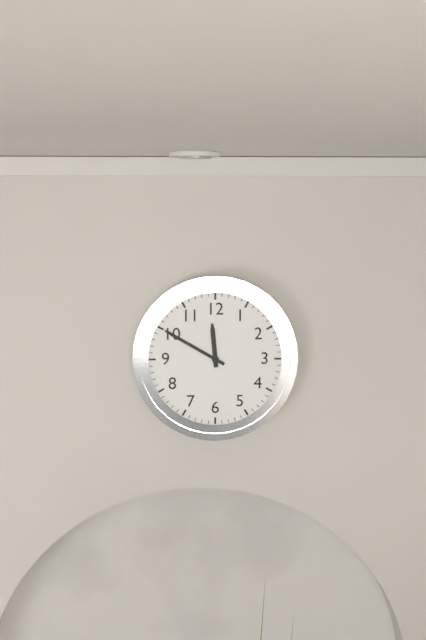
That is 11h50
